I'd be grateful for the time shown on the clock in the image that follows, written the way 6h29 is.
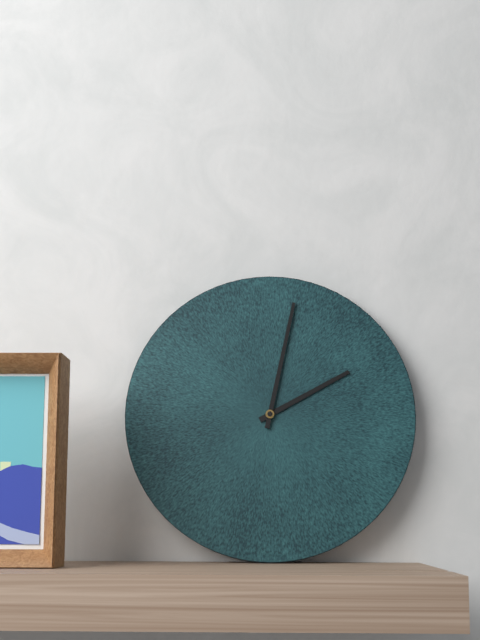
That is 2h02
